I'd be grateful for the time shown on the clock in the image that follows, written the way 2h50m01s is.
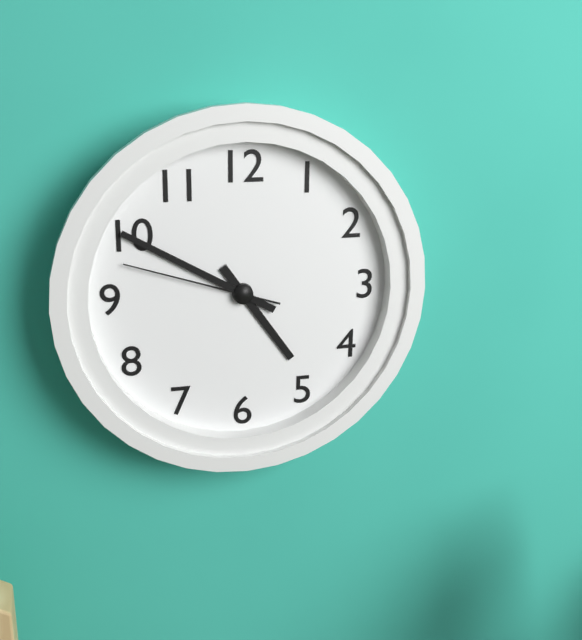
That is 4h50m48s
